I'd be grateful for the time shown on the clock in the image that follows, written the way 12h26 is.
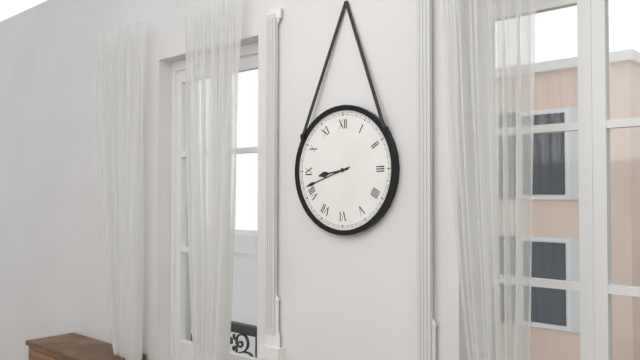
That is 8h42
